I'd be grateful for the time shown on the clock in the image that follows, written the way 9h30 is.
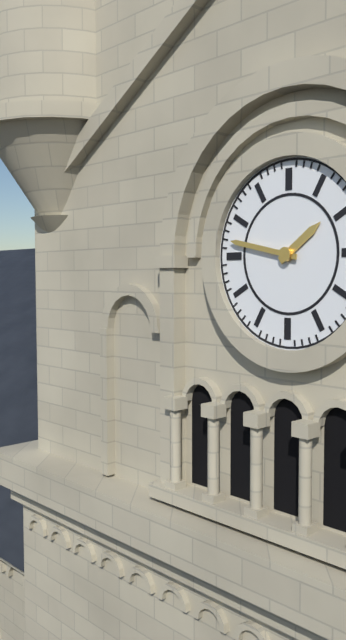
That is 1h47
